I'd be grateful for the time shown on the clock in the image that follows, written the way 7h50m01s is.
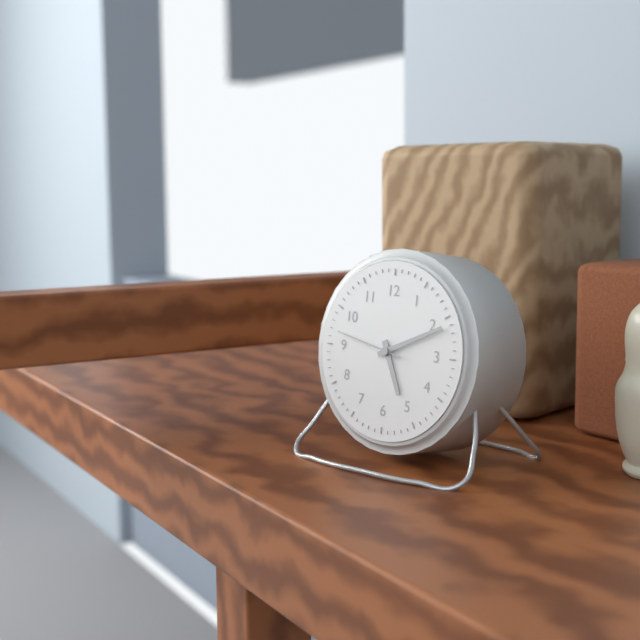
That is 5h11m47s
